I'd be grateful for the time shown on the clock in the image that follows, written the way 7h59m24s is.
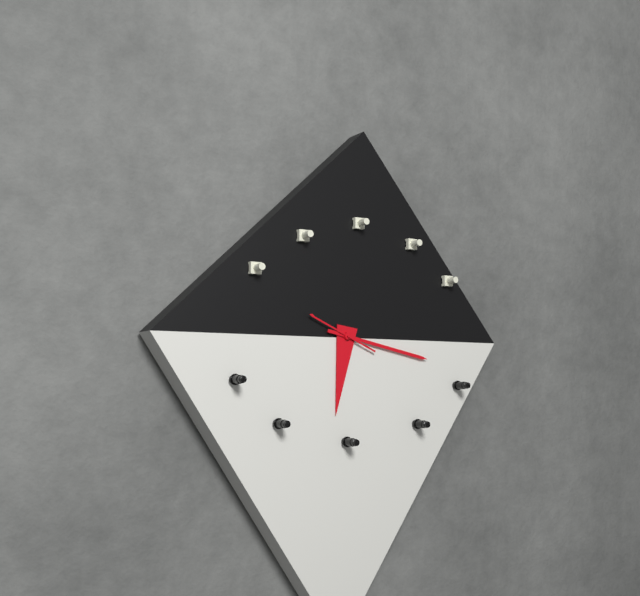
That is 6h17m49s
